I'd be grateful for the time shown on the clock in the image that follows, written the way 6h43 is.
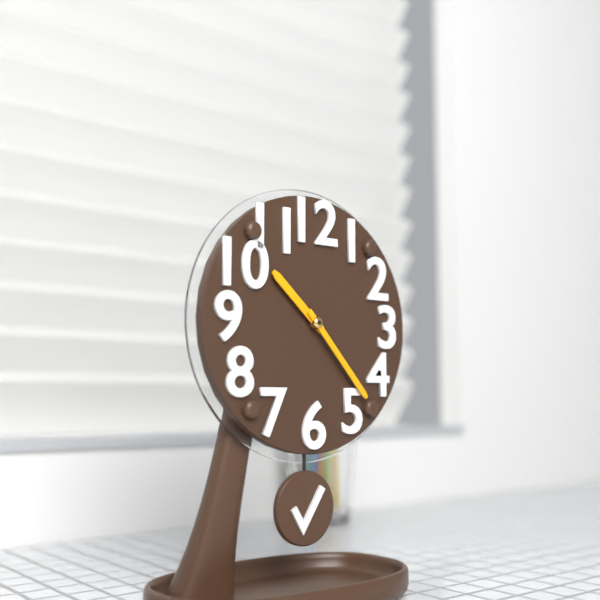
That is 10h23
